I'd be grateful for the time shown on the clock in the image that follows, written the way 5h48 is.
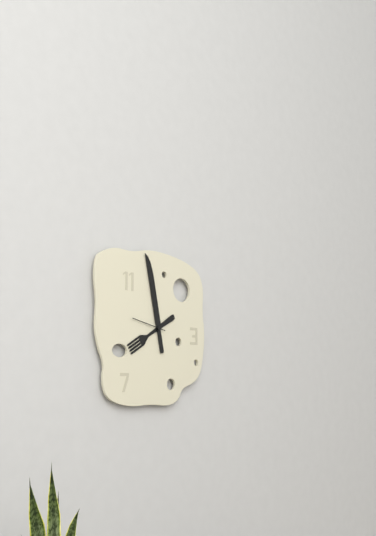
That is 7h58
